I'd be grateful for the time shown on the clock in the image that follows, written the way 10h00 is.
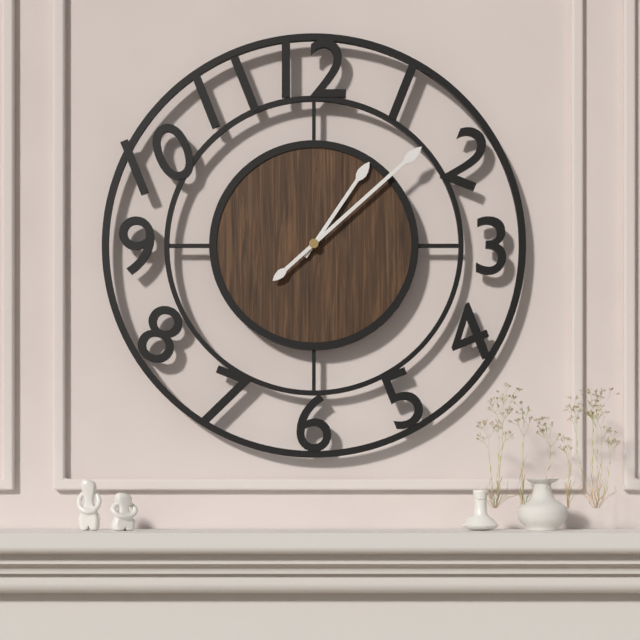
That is 1h08
